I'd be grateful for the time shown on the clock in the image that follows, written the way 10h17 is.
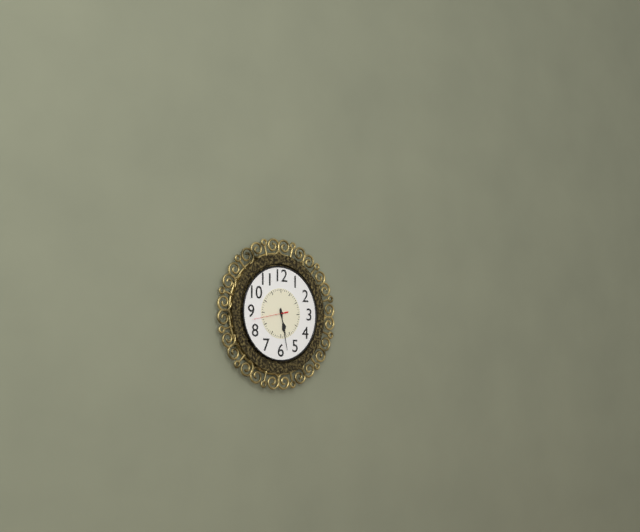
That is 5h28
